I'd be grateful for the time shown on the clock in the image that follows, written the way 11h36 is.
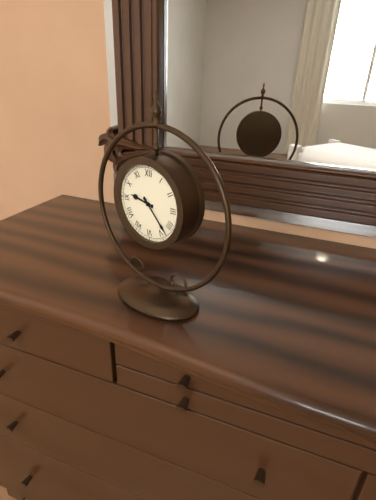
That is 9h23
